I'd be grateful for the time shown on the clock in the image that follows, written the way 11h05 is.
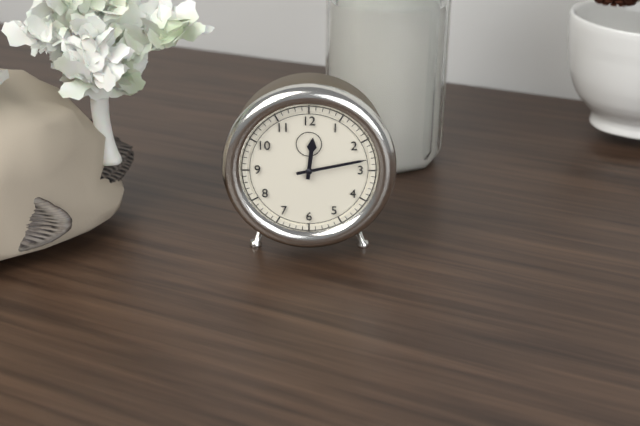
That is 12h13
